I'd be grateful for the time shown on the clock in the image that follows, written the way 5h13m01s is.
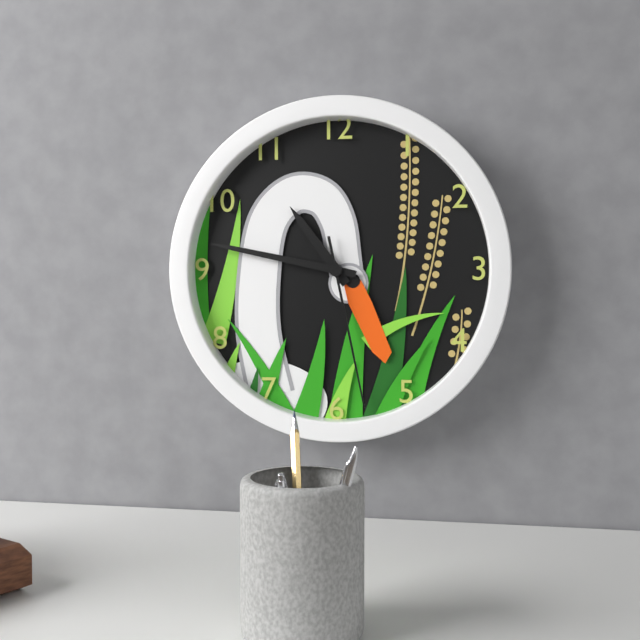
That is 10h47m28s
